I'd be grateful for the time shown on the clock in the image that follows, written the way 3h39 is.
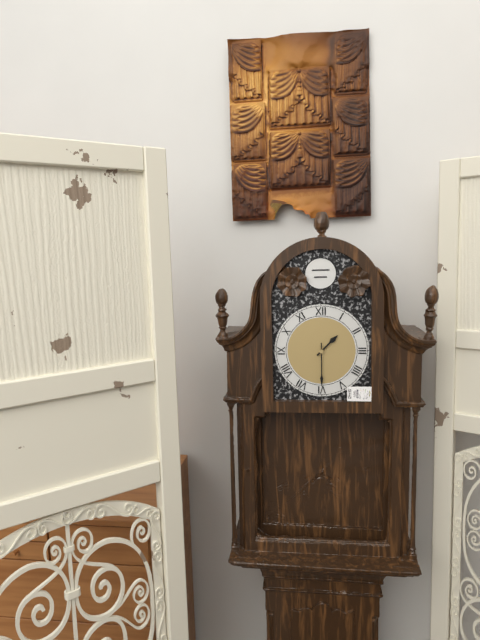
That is 1h30
